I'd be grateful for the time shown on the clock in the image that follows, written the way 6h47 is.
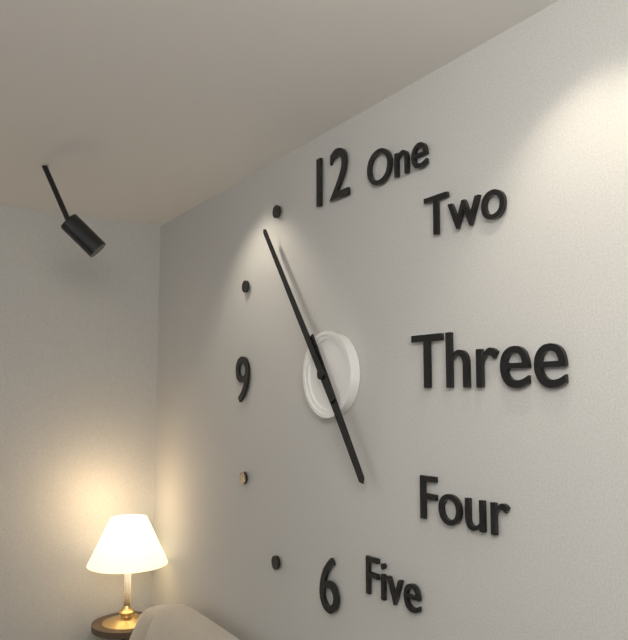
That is 4h54
